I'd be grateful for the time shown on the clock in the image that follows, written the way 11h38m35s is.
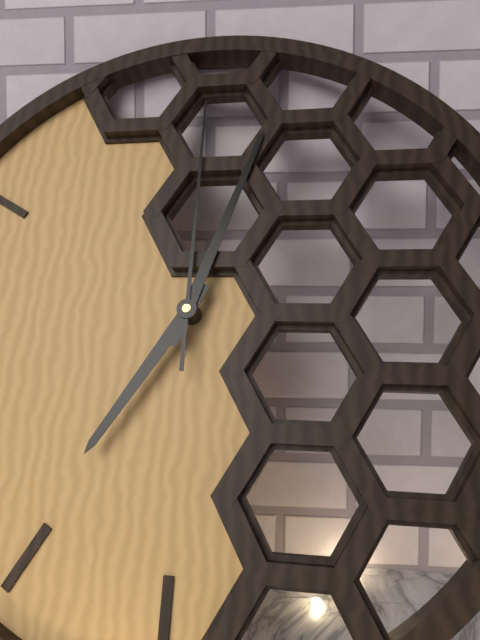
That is 7h03m00s
